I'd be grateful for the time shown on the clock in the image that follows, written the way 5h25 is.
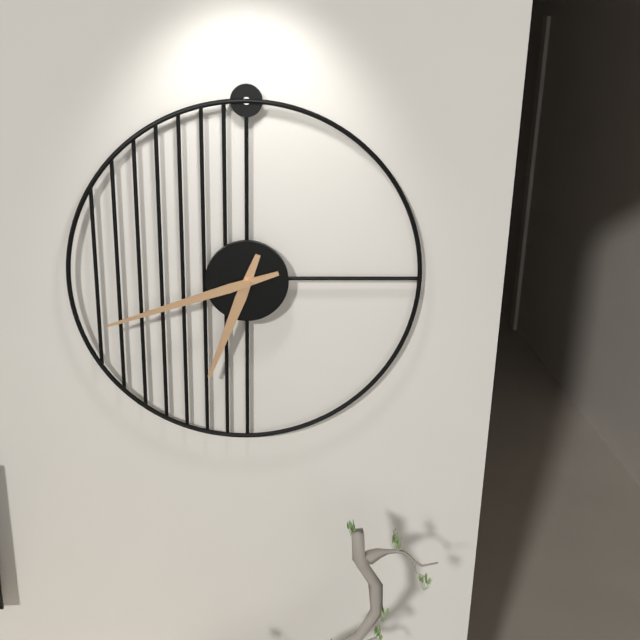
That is 6h42
